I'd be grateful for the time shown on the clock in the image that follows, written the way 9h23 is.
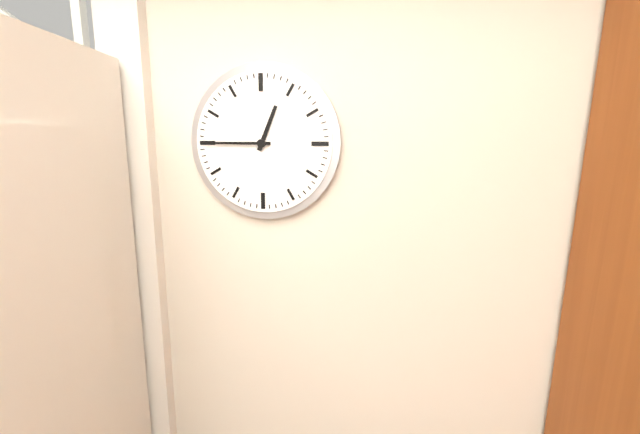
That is 12h45
